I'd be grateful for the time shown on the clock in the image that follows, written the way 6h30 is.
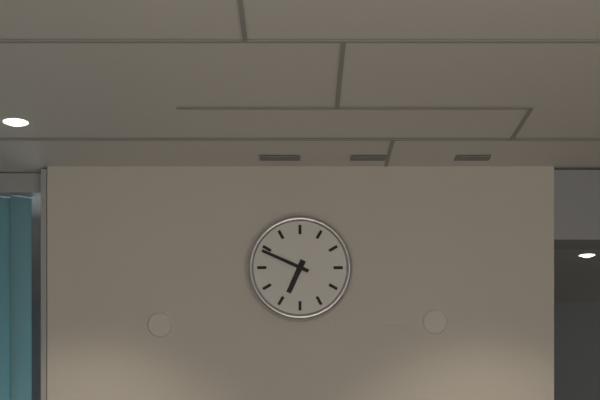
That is 6h49
